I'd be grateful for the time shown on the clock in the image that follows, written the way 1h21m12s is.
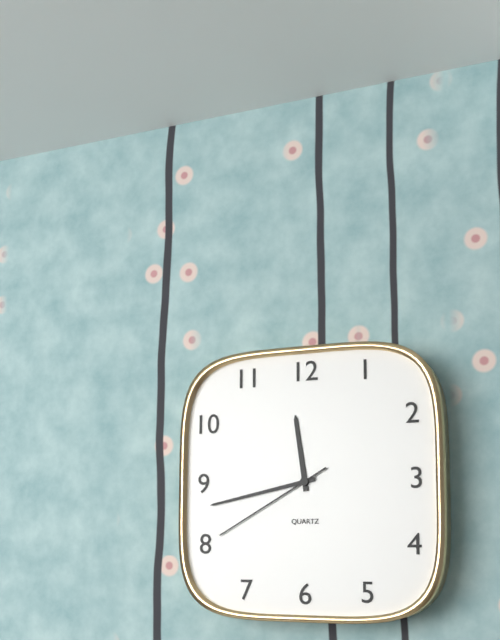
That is 11h43m40s
